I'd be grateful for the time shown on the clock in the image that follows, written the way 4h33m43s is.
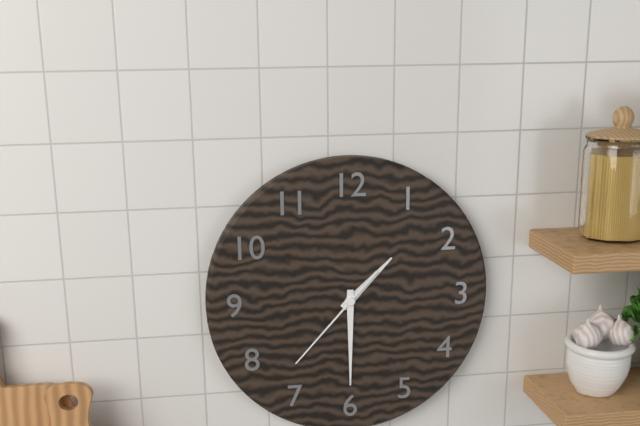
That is 1h30m37s
